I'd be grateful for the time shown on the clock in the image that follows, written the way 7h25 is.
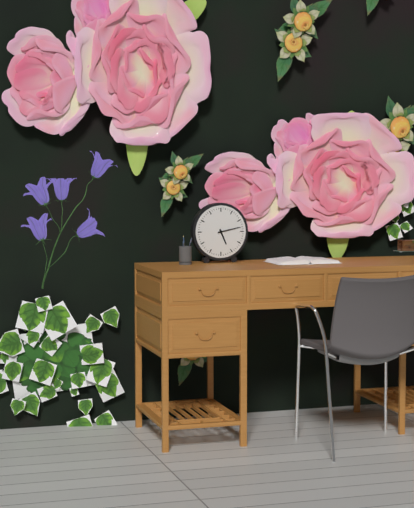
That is 5h13
